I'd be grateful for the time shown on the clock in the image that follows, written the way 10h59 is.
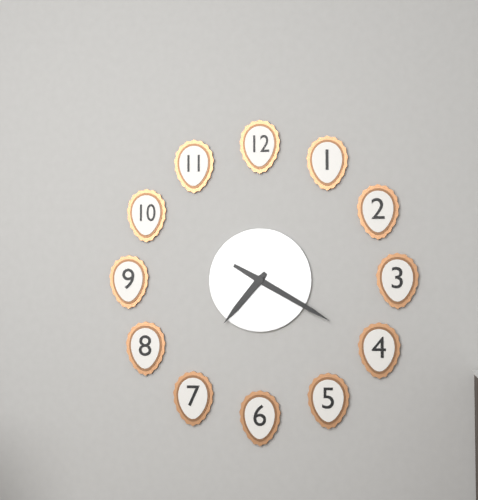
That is 7h20
